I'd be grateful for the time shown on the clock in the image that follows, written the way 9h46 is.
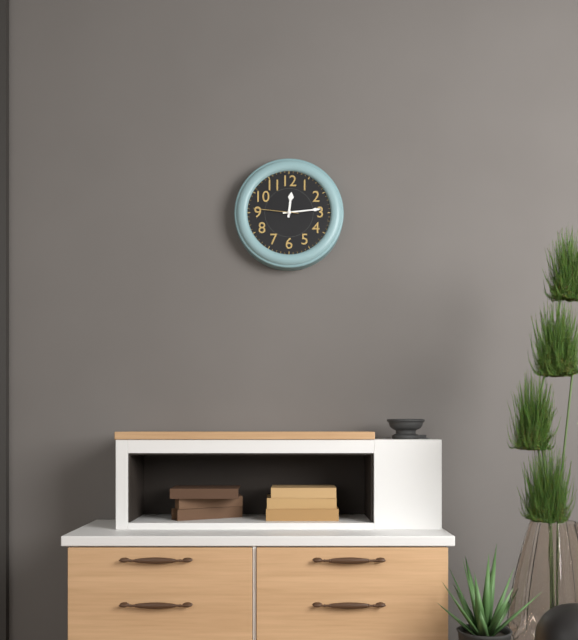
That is 12h14
